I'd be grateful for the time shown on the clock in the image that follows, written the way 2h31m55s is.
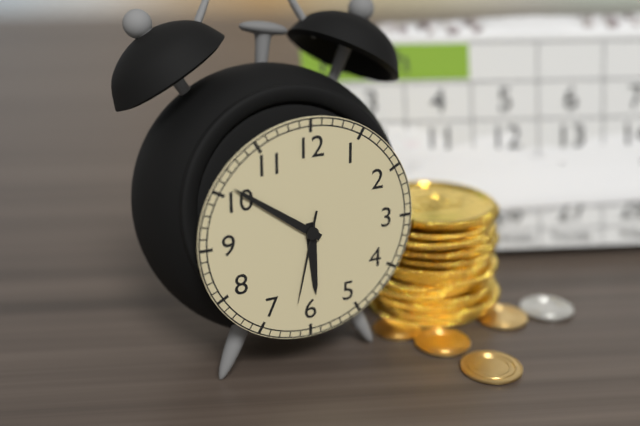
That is 5h51m32s
